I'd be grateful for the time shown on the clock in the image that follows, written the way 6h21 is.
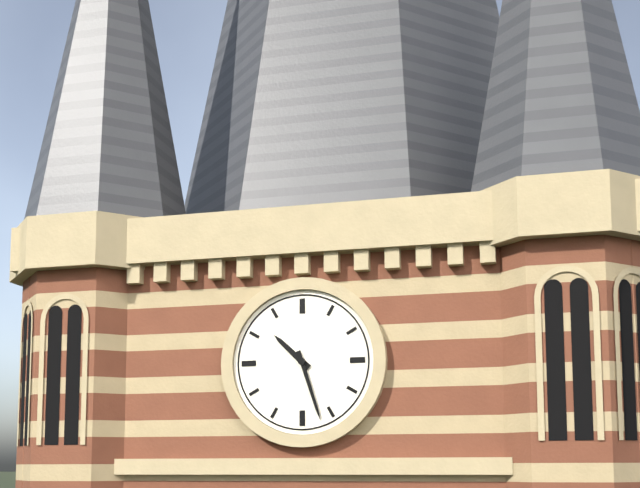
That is 10h27
